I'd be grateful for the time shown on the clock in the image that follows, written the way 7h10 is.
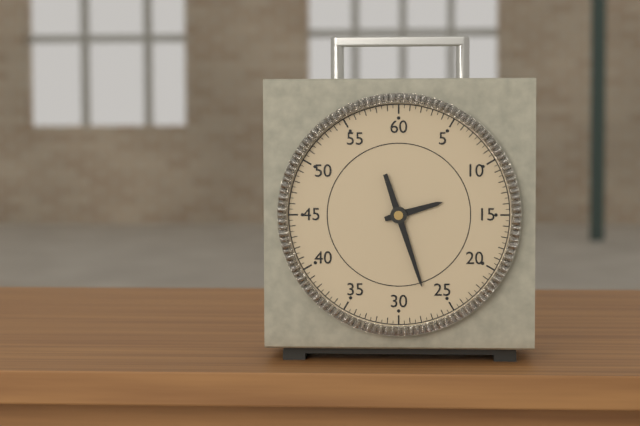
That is 2h27
